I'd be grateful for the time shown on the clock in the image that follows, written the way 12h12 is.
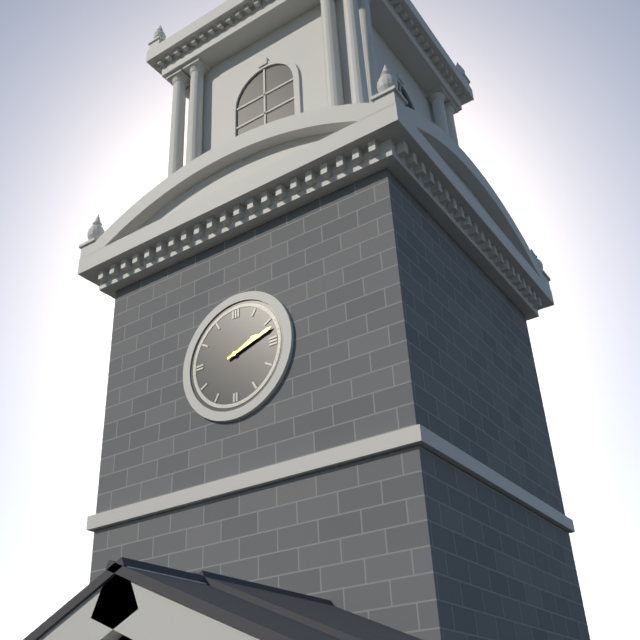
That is 2h12
